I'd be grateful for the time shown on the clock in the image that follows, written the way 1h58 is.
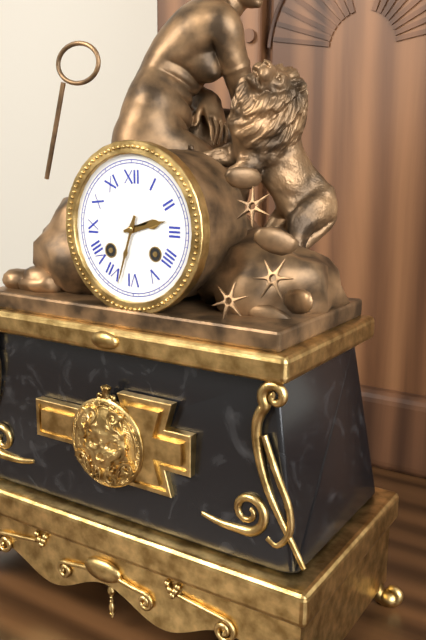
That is 2h33
